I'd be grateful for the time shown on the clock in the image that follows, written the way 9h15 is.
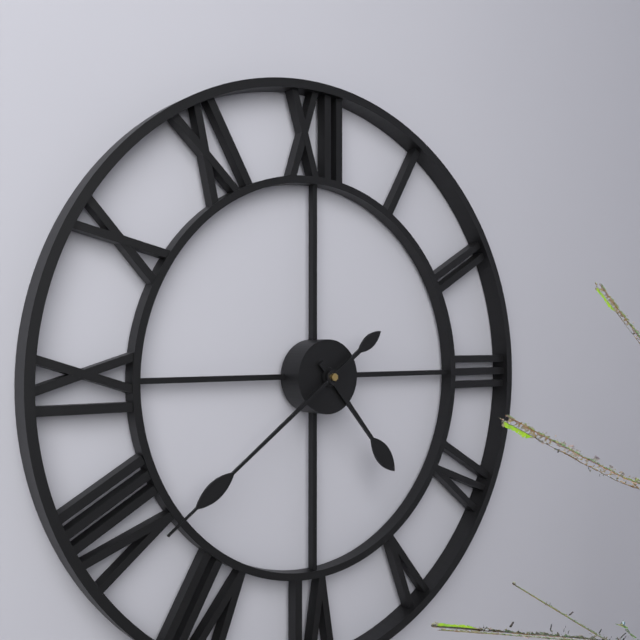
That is 4h39
